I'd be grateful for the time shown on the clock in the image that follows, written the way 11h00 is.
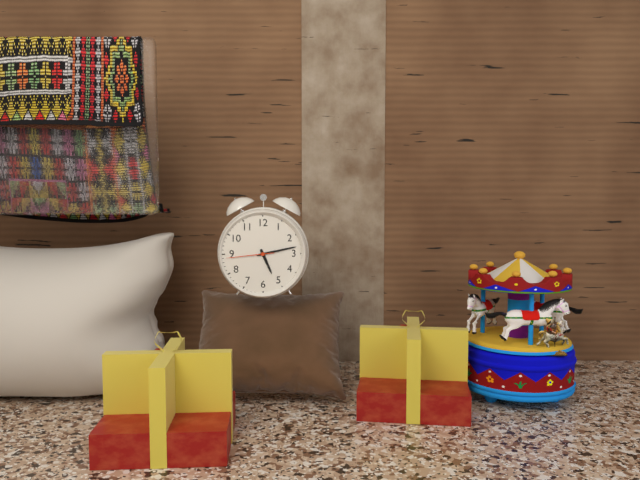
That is 5h13
